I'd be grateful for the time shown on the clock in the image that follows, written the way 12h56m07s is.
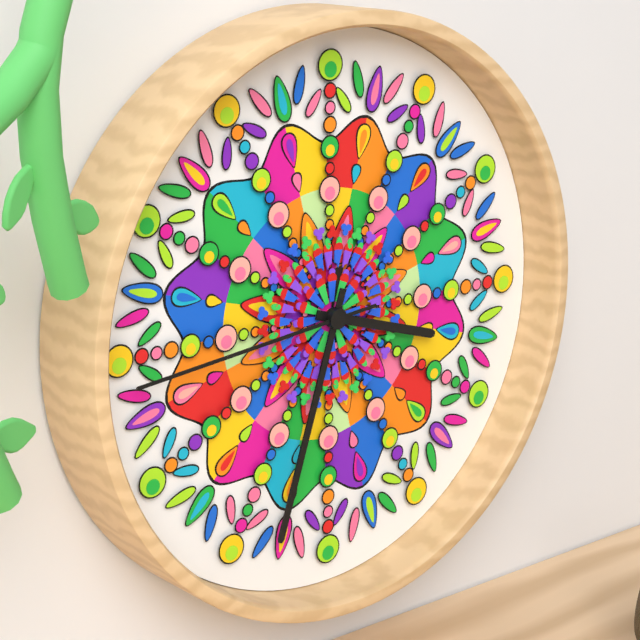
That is 3h33m44s
